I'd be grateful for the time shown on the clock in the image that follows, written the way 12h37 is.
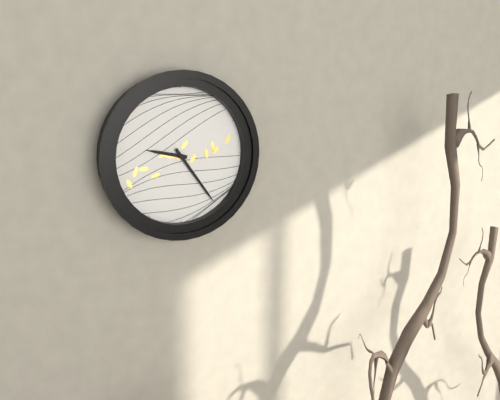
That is 9h24
